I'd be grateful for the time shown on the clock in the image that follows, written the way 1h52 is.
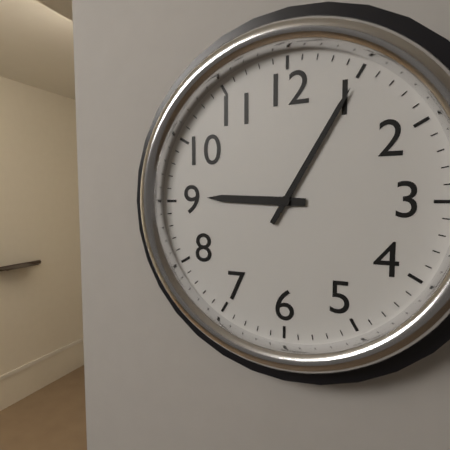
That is 9h05
